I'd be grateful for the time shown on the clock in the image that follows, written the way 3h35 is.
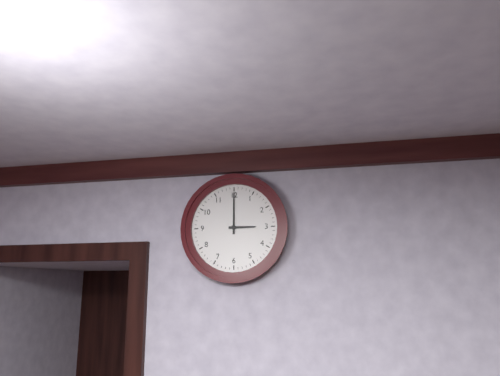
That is 3h00
